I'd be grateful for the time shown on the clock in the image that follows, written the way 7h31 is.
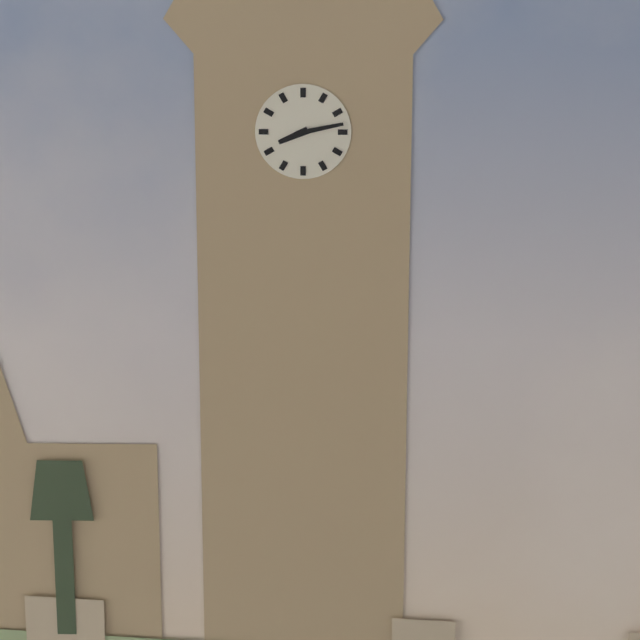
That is 8h13
